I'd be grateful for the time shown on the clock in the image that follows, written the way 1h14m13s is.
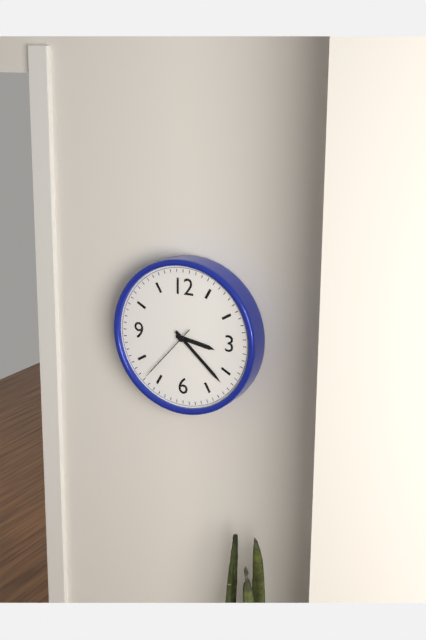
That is 3h22m37s
